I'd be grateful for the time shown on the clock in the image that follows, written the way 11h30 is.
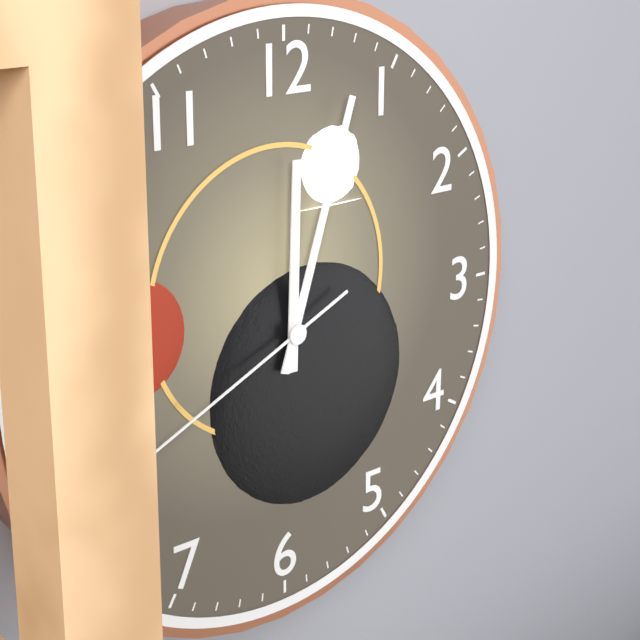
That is 12h03
